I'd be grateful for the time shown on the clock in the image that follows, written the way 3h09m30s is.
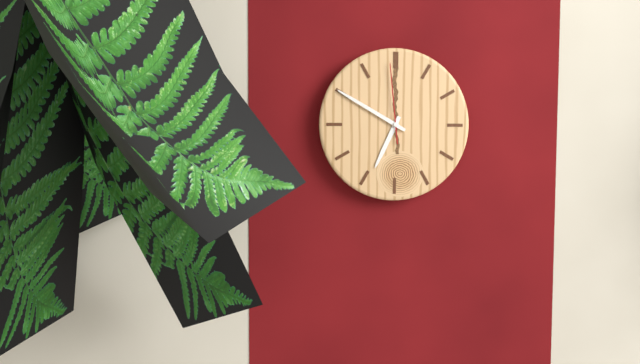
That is 6h50m59s
